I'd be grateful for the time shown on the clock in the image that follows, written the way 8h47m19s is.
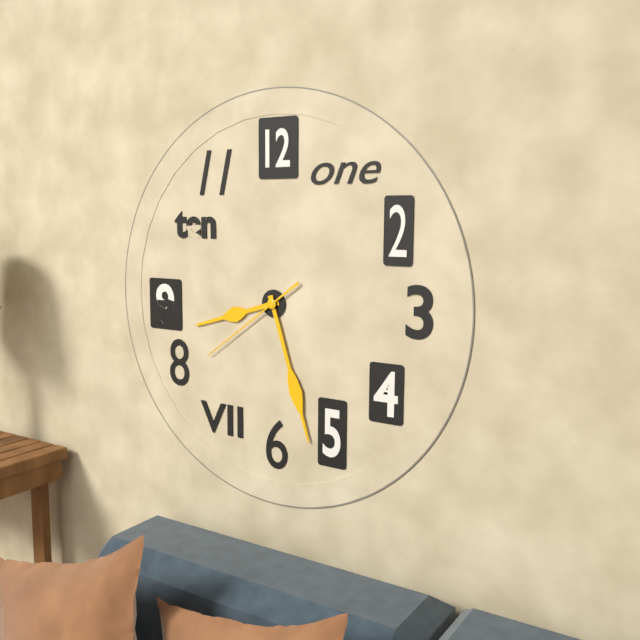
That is 8h27m39s
